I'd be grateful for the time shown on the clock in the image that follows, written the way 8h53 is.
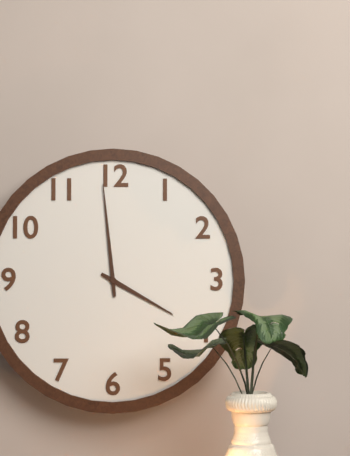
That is 3h59
